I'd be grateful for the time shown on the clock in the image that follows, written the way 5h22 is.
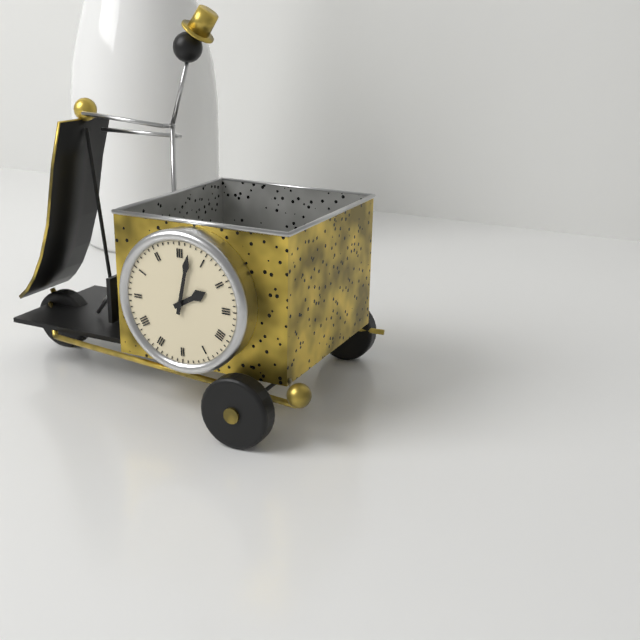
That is 2h02
